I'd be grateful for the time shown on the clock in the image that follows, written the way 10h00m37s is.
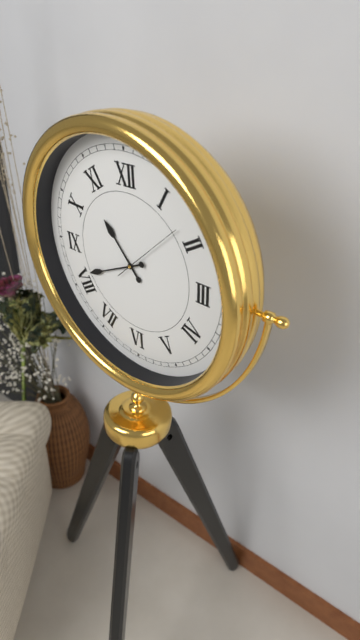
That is 10h41m08s
